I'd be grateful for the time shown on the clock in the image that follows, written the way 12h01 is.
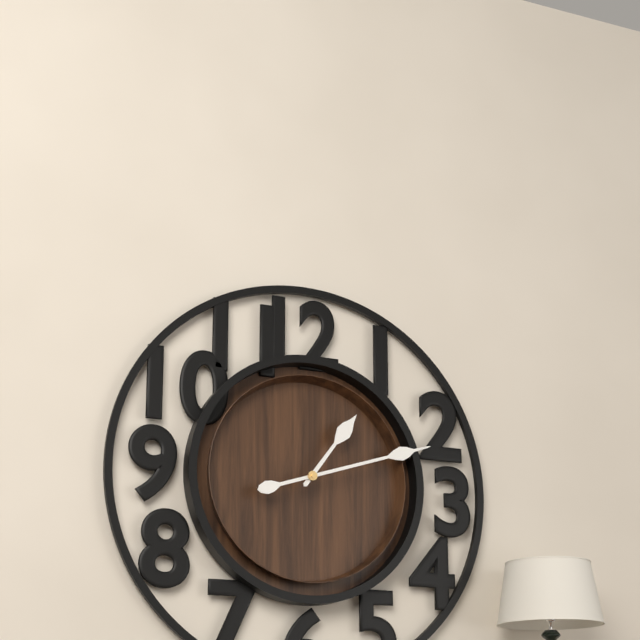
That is 1h12
